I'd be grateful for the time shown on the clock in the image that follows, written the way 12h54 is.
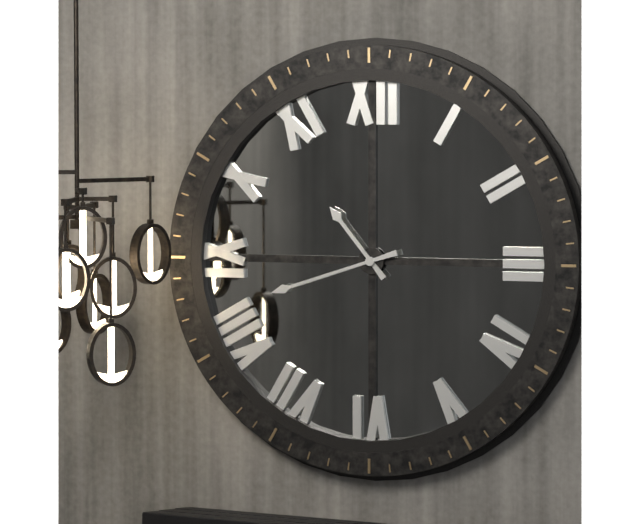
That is 10h42
